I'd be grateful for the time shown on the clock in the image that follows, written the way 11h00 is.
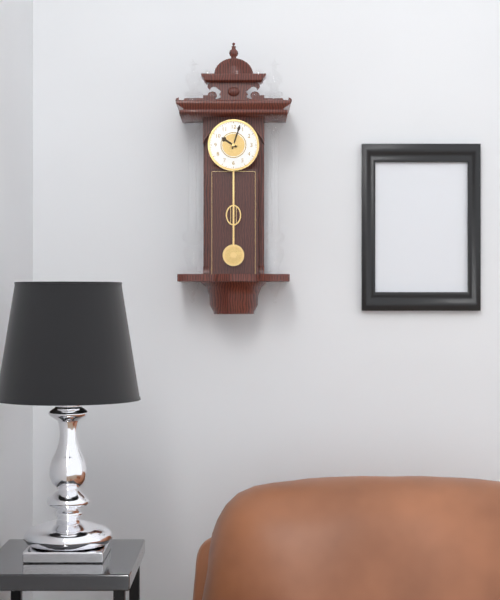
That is 10h03
